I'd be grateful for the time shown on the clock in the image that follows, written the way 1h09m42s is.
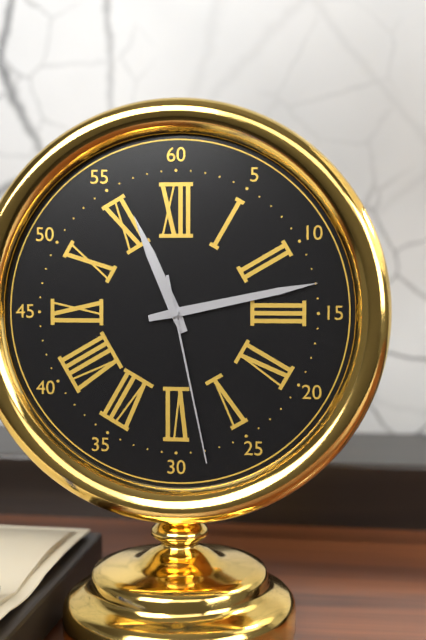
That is 11h13m28s
